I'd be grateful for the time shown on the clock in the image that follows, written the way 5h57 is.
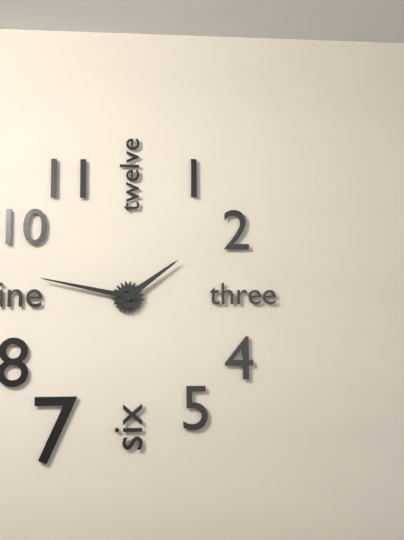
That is 1h47
